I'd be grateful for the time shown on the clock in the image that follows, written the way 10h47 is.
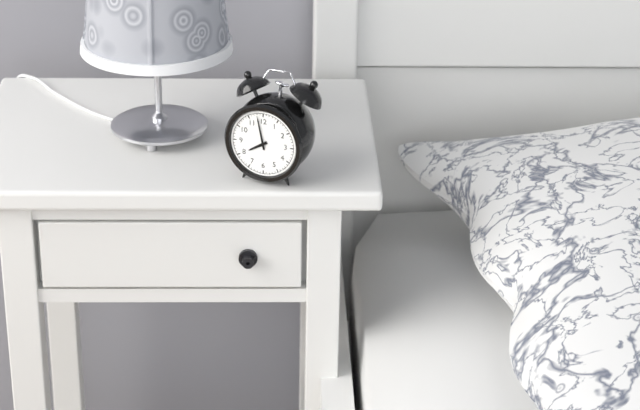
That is 7h58
